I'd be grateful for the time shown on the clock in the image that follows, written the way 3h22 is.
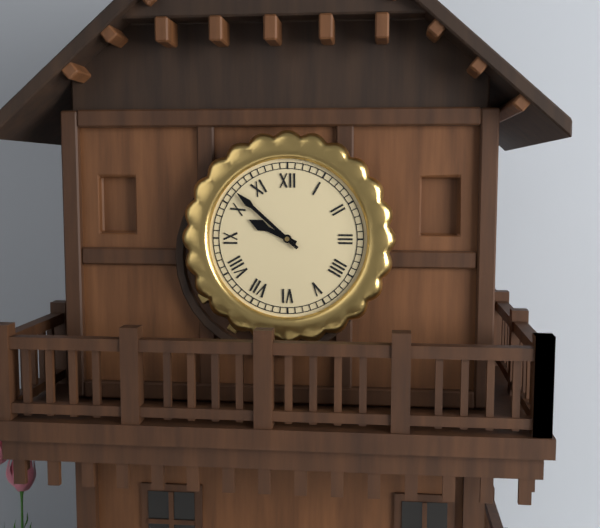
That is 9h52
